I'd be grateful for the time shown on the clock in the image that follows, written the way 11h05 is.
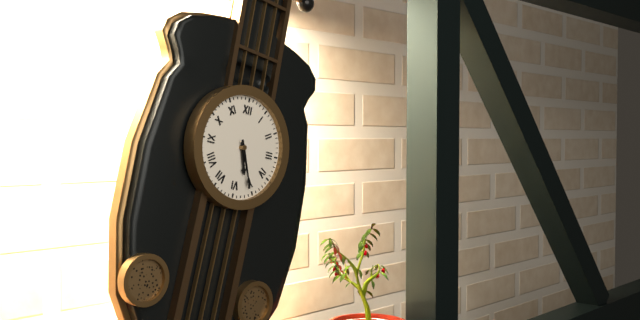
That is 5h26
